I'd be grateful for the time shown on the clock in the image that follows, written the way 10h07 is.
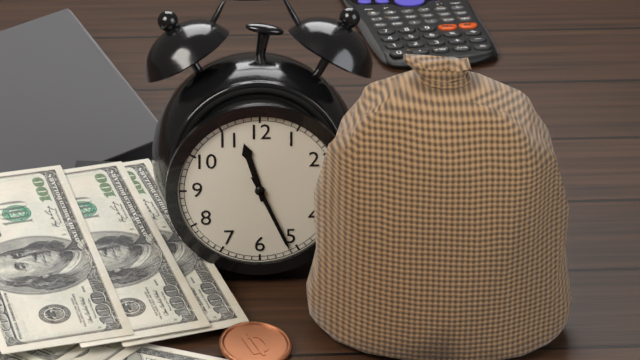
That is 11h26
